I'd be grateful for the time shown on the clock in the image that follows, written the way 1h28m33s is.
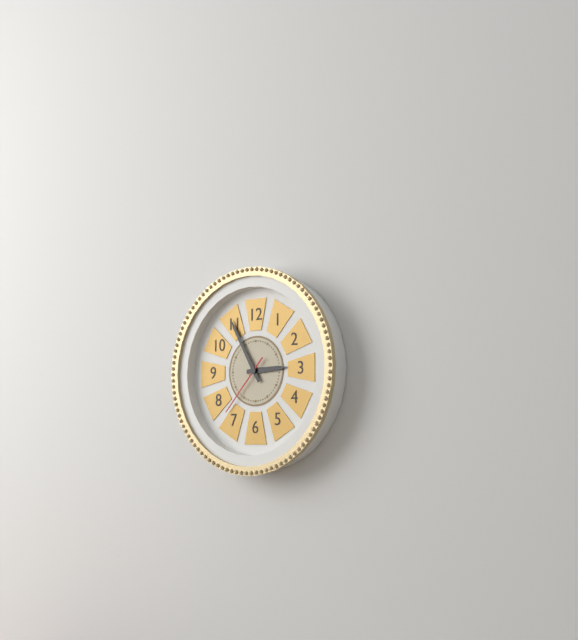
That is 2h55m37s
